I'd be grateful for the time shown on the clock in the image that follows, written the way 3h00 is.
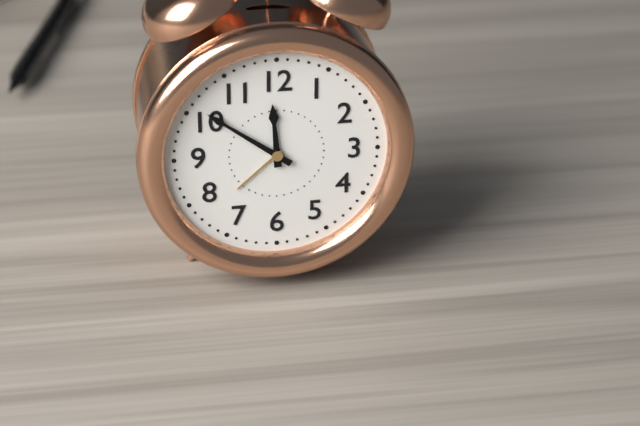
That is 11h51
